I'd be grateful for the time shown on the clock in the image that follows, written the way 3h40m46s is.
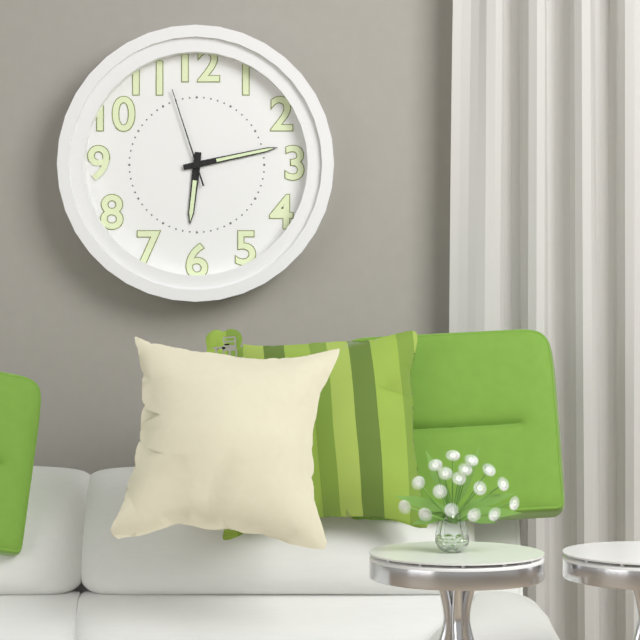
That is 6h13m57s
